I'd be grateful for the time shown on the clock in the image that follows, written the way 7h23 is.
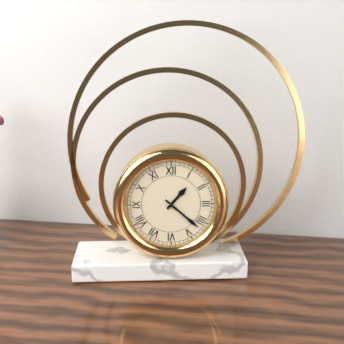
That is 1h22
